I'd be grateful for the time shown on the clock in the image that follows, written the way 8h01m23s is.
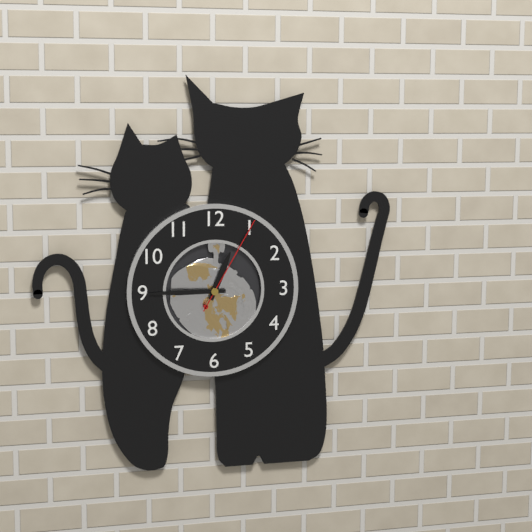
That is 12h45m05s
